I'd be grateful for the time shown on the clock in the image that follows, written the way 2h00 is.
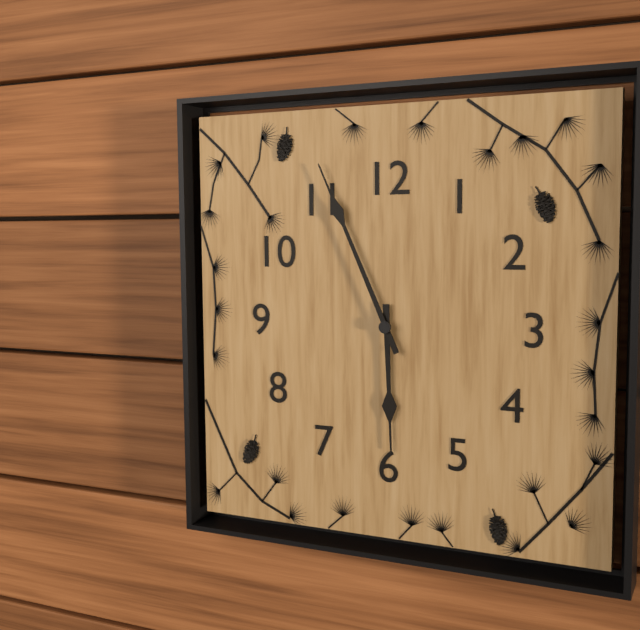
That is 5h56
